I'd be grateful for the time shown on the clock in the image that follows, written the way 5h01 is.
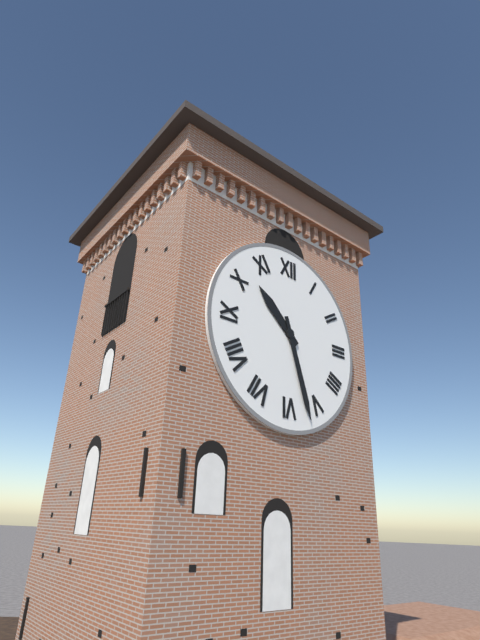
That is 10h27
